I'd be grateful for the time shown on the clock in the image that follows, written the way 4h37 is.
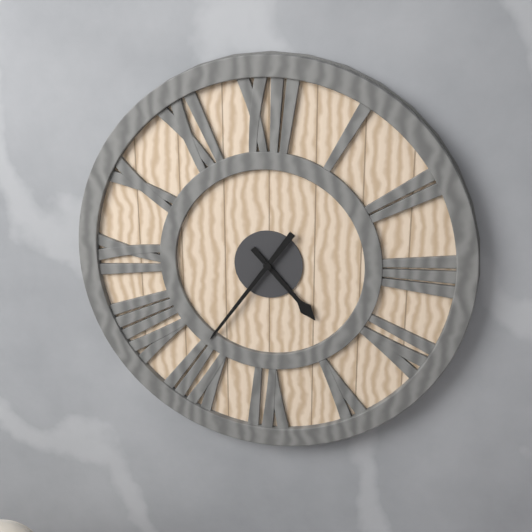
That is 4h36
